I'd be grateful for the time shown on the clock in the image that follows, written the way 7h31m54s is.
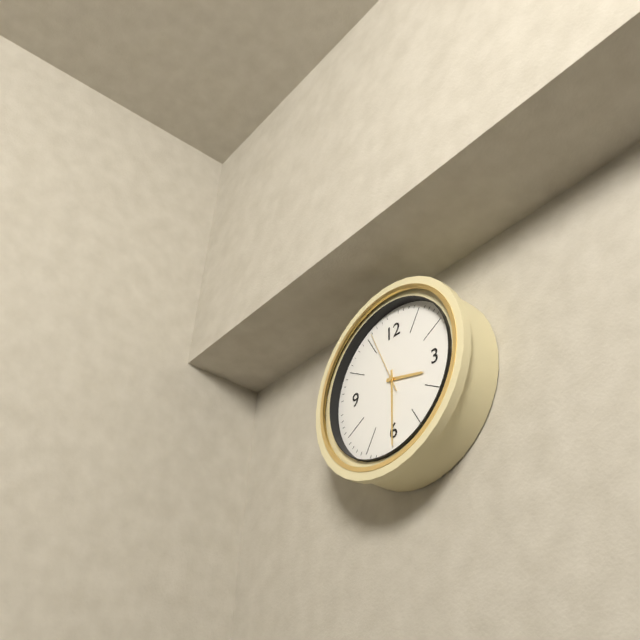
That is 3h30m56s
